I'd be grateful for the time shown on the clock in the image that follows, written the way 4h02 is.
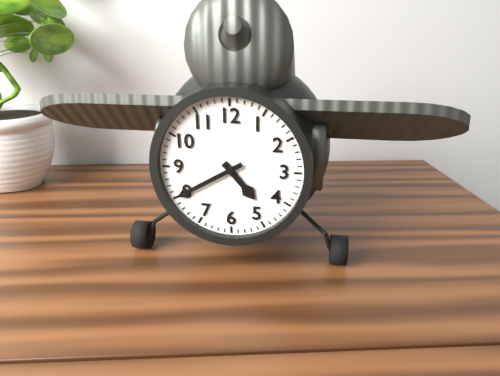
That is 4h40
